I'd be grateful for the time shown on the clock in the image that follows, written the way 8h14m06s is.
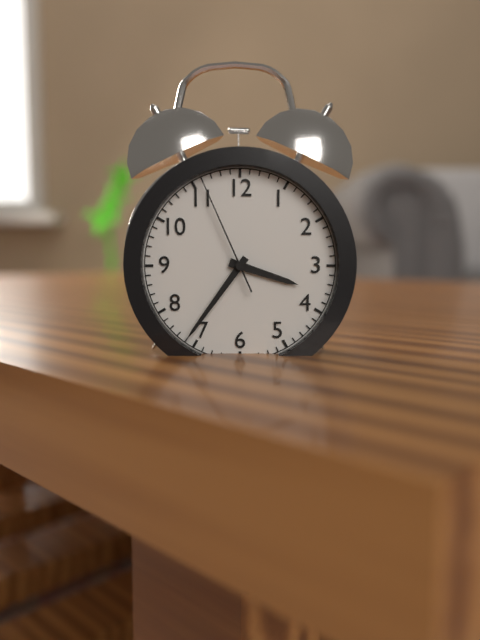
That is 3h36m56s
